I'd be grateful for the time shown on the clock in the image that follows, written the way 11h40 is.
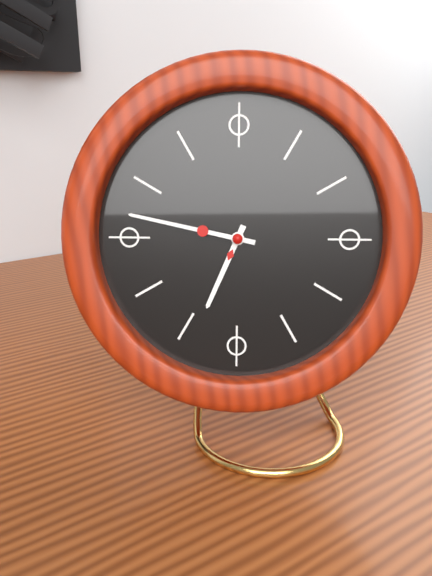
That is 6h47
